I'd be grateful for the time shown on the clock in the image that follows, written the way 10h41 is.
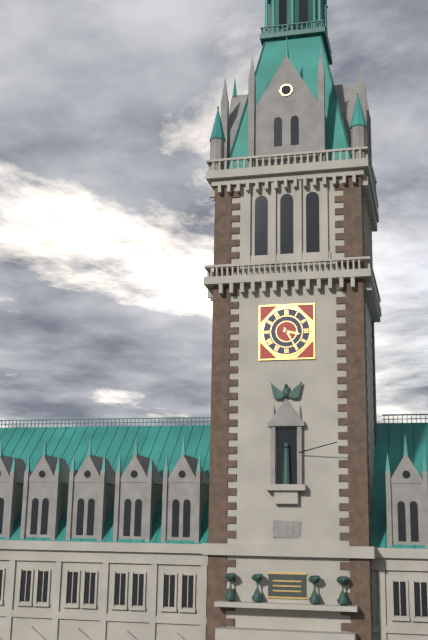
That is 3h25
